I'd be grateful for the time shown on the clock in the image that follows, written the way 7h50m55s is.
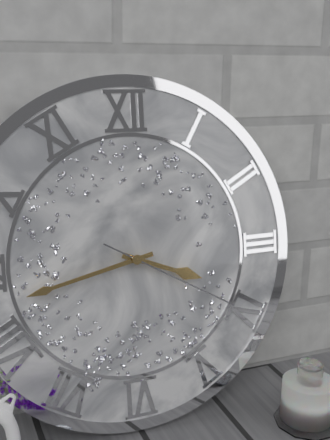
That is 3h43m20s
